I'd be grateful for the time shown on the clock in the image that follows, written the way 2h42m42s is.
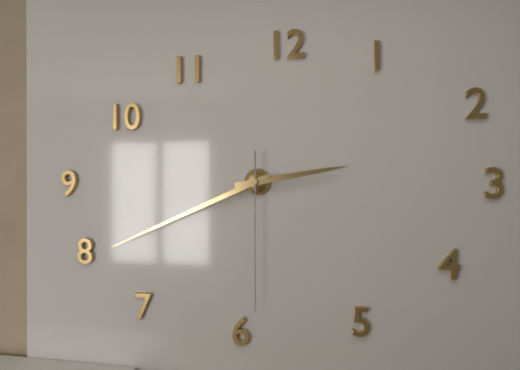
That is 2h41m30s
